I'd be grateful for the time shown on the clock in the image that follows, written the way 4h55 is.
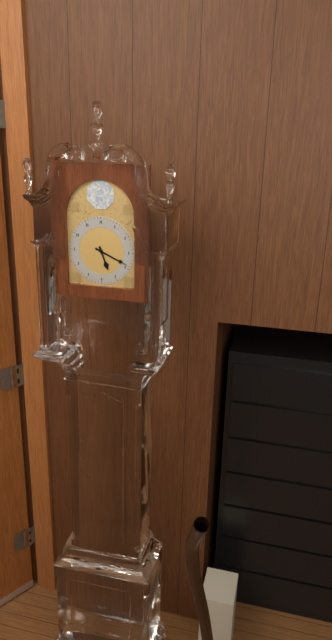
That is 5h19
